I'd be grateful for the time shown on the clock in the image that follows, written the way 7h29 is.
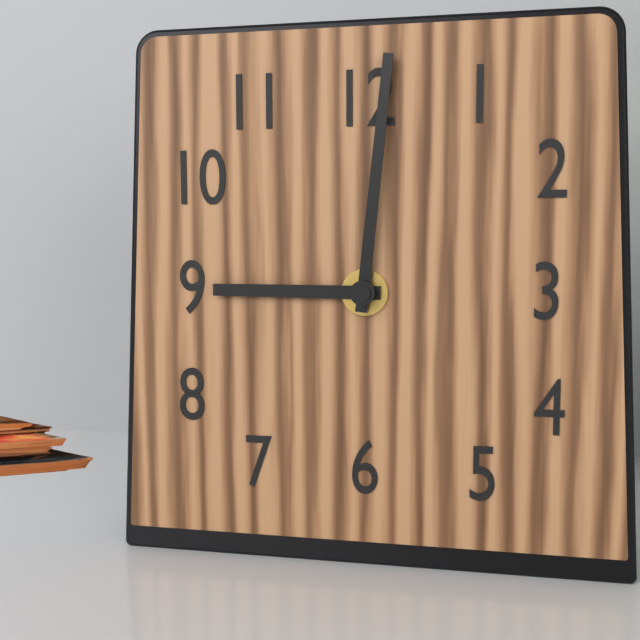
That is 9h01
